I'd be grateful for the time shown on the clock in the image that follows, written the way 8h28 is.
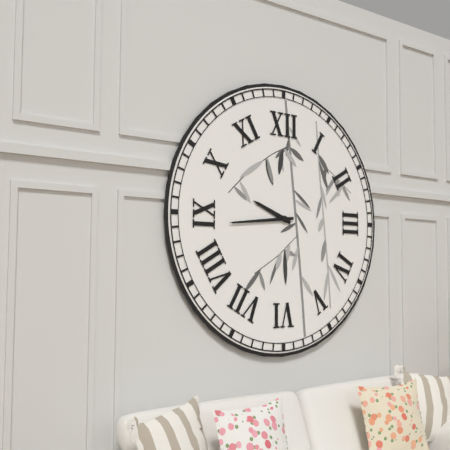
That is 9h44
